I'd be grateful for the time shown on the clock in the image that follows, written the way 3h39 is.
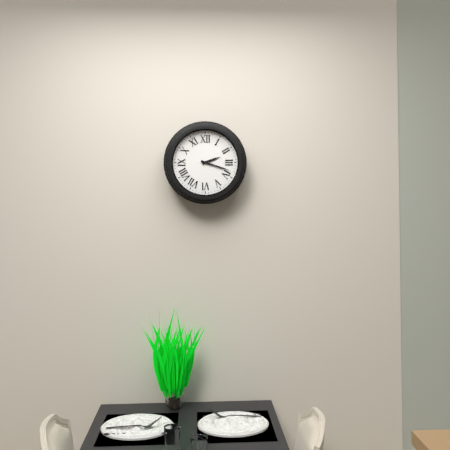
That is 2h18
